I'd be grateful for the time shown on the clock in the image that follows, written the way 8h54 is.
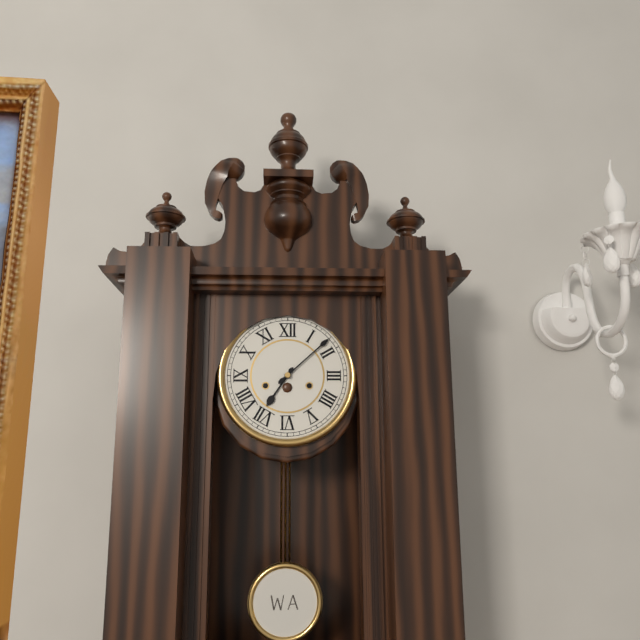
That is 7h08
